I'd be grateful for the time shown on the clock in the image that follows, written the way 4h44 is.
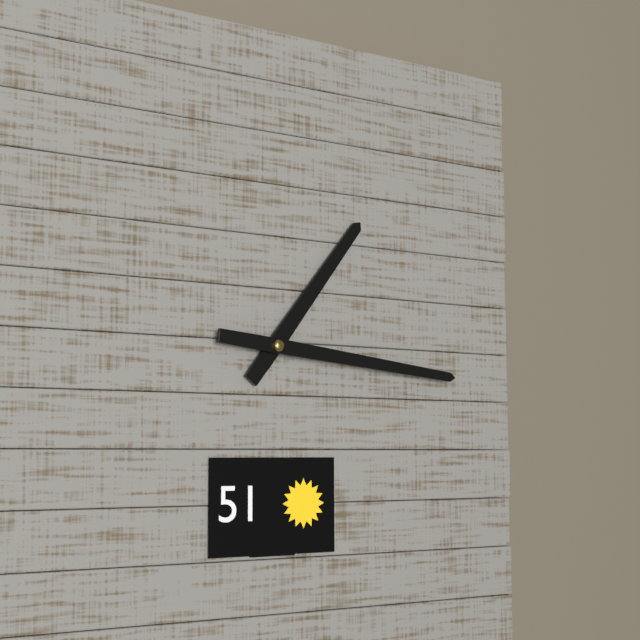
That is 1h16
